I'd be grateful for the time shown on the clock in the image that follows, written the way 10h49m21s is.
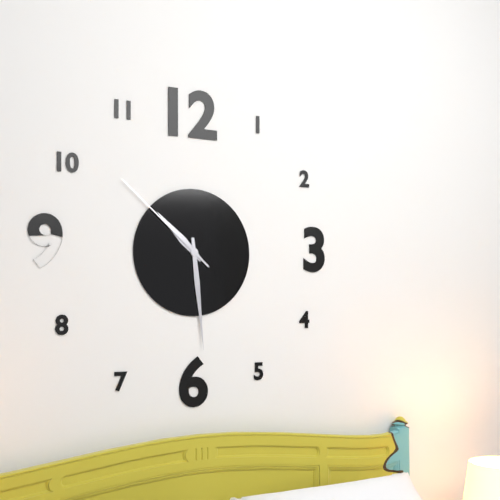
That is 10h29m52s
